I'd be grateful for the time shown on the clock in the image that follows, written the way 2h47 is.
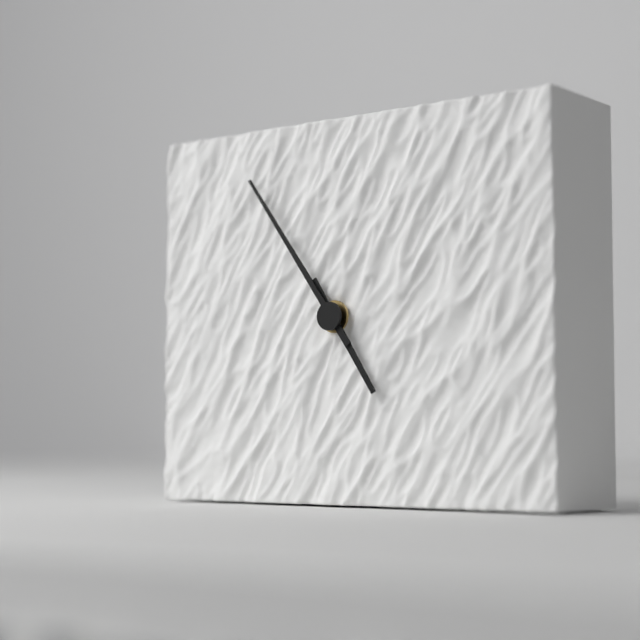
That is 4h54
